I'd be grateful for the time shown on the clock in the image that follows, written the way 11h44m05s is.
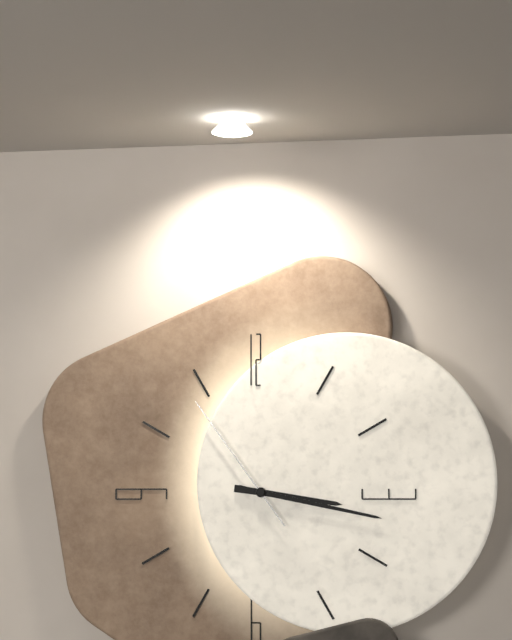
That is 3h17m54s
